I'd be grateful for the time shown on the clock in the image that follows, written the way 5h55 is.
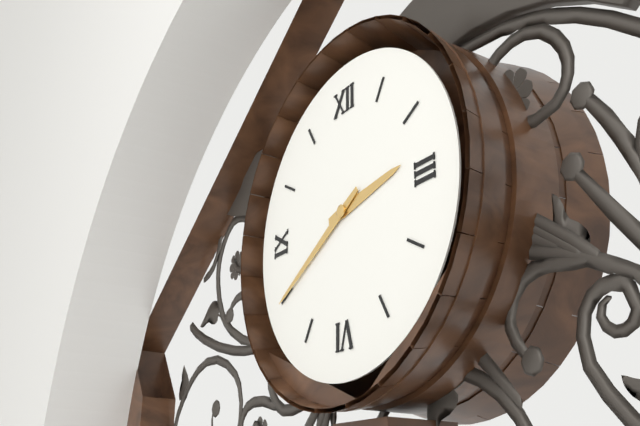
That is 2h40
